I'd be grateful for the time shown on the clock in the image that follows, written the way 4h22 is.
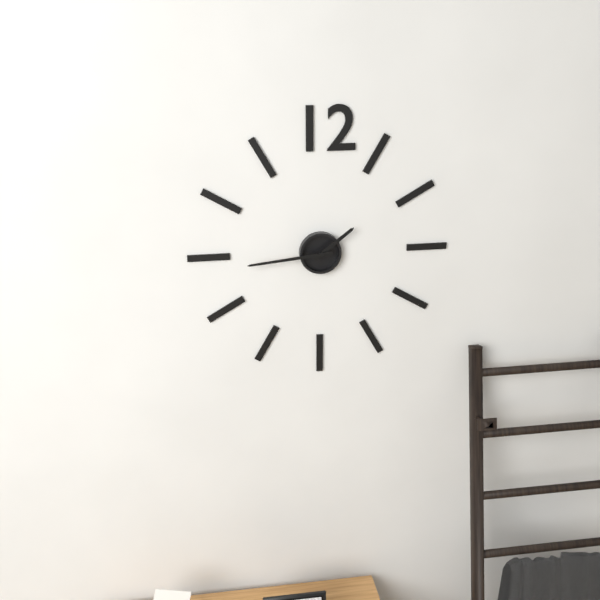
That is 1h44
